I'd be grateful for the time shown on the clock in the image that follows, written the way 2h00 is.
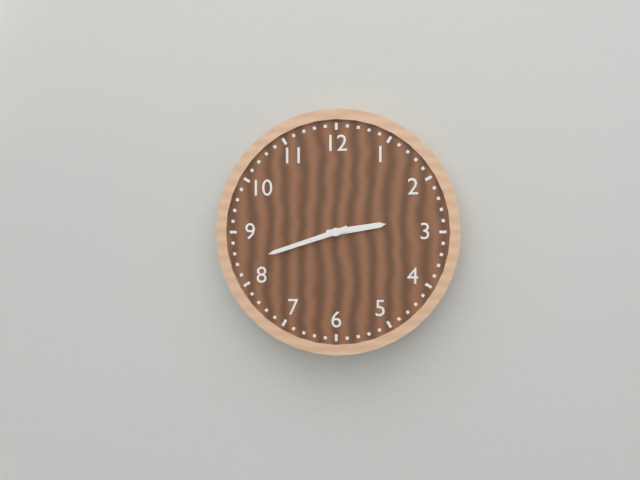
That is 2h42
